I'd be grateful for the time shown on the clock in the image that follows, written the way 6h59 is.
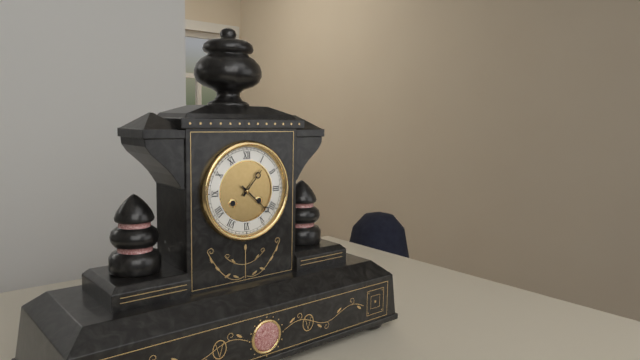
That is 1h22
